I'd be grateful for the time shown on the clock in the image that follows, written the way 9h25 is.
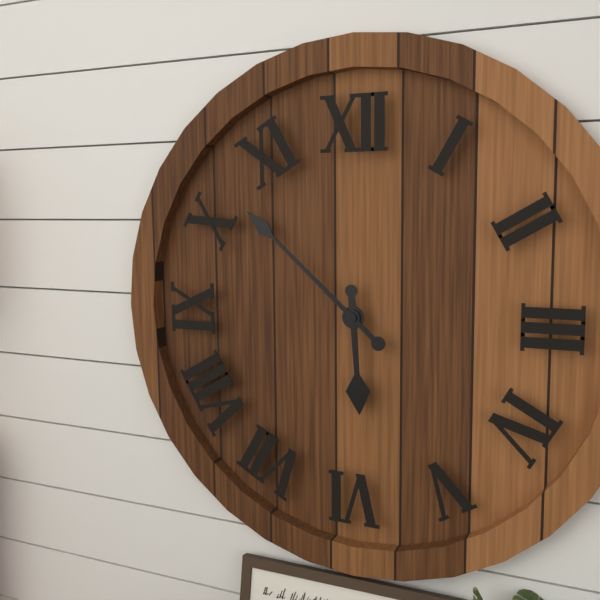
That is 5h52
